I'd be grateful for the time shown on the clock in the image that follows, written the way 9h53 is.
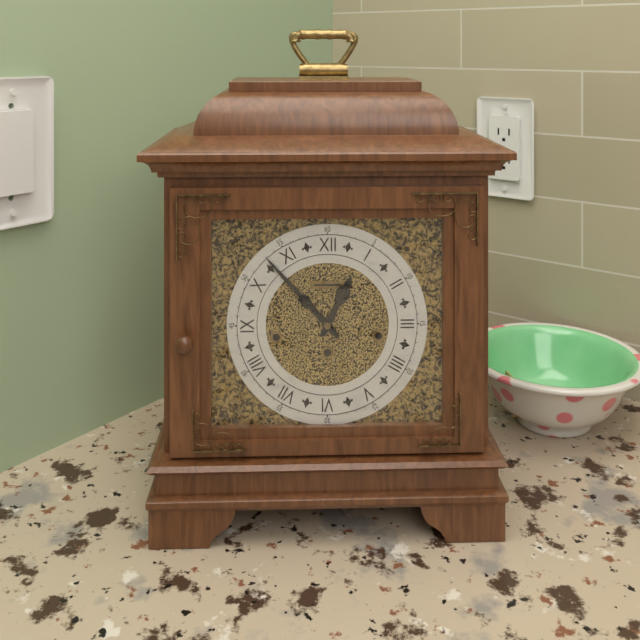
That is 12h53
